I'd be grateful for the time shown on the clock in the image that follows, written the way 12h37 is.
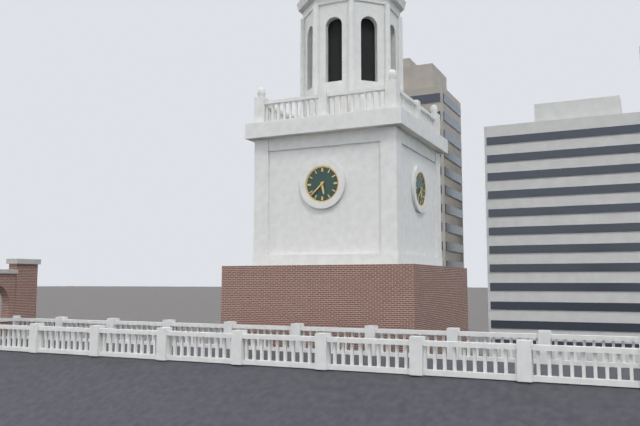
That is 5h38
